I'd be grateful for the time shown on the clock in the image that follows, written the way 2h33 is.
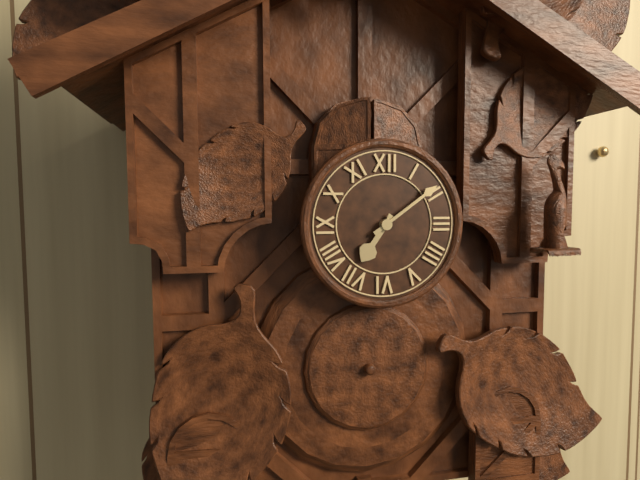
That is 7h09
